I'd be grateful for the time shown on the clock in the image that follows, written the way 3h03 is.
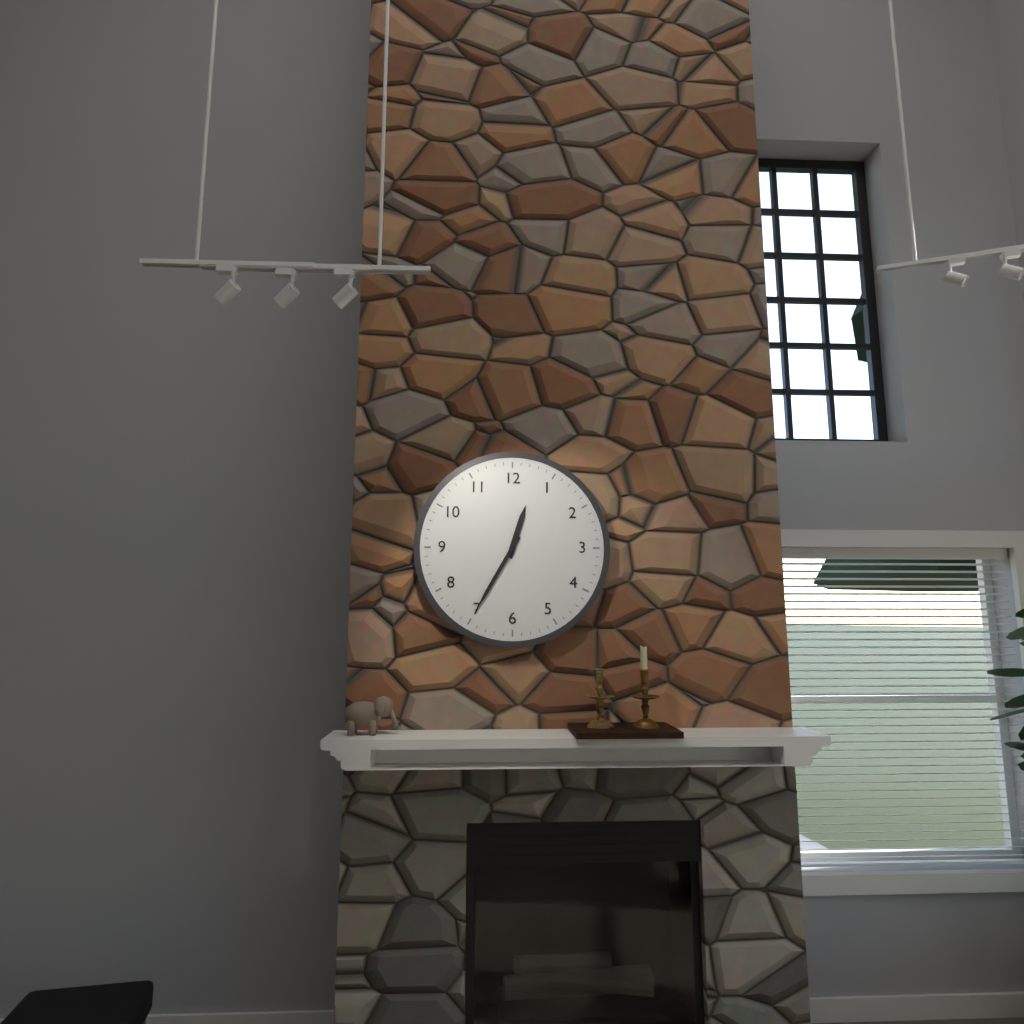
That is 12h35
